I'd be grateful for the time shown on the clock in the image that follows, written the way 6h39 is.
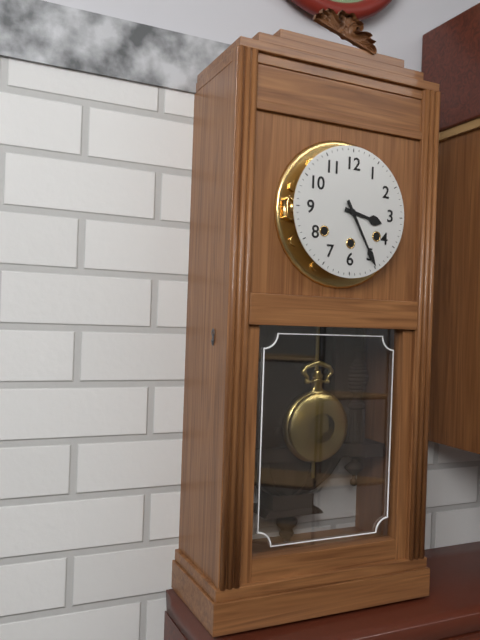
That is 3h25
